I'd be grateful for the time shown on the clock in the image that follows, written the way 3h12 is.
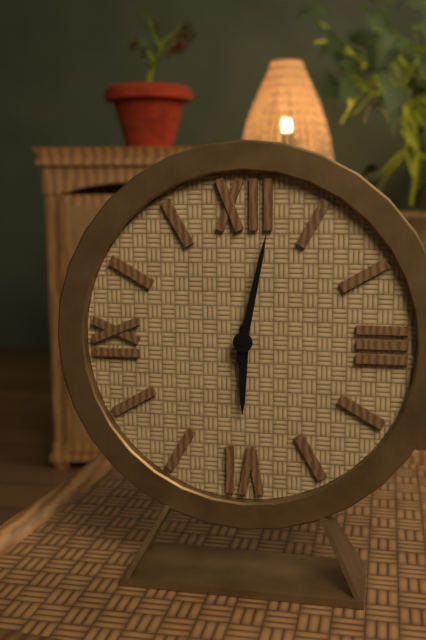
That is 6h02
